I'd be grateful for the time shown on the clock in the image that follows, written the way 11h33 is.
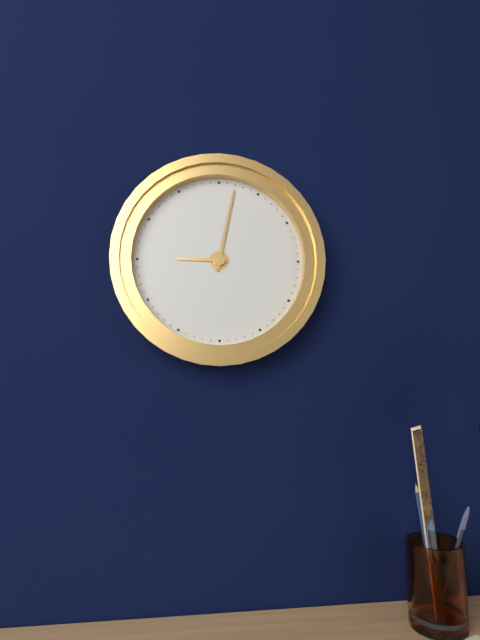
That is 9h02
